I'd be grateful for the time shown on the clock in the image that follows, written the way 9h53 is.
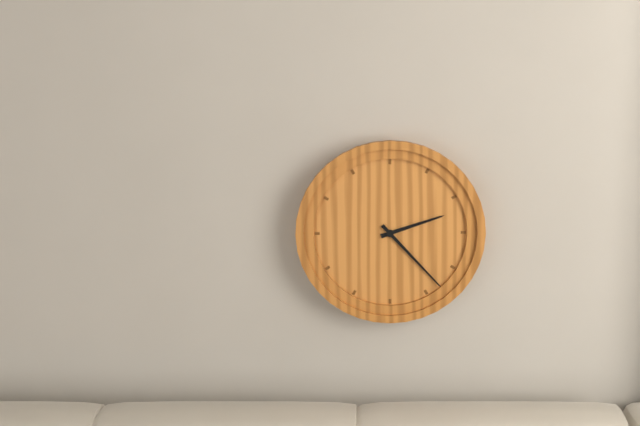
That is 2h23
